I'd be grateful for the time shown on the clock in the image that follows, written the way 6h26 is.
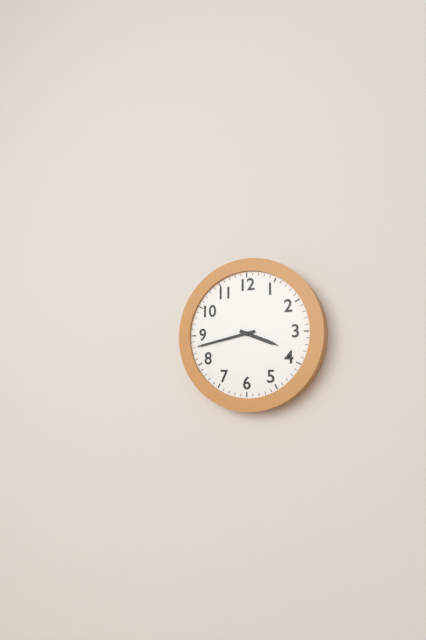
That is 3h43
